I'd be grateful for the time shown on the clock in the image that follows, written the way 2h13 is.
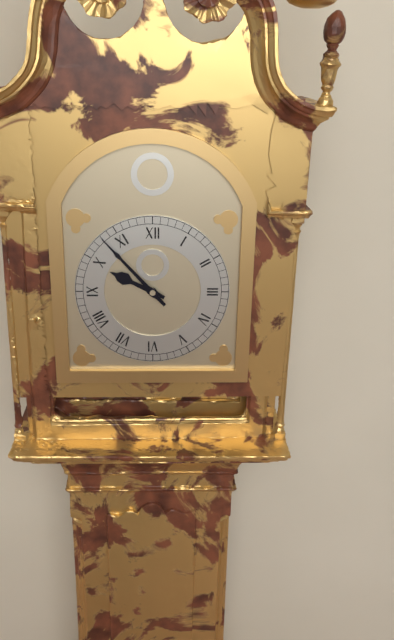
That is 9h53
